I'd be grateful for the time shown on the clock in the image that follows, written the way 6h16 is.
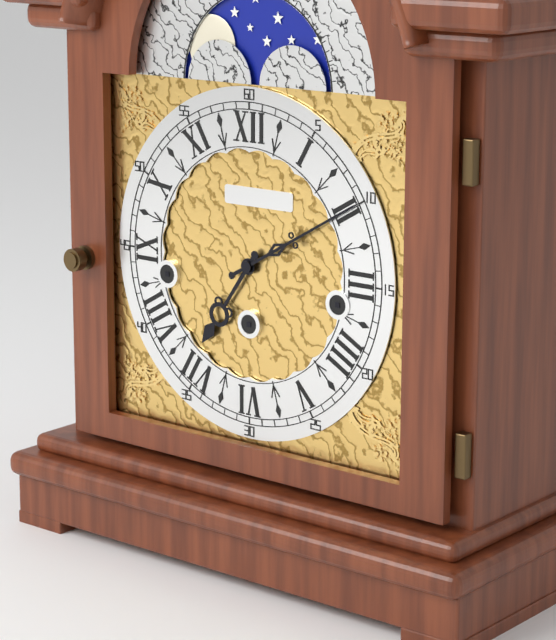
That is 7h10
